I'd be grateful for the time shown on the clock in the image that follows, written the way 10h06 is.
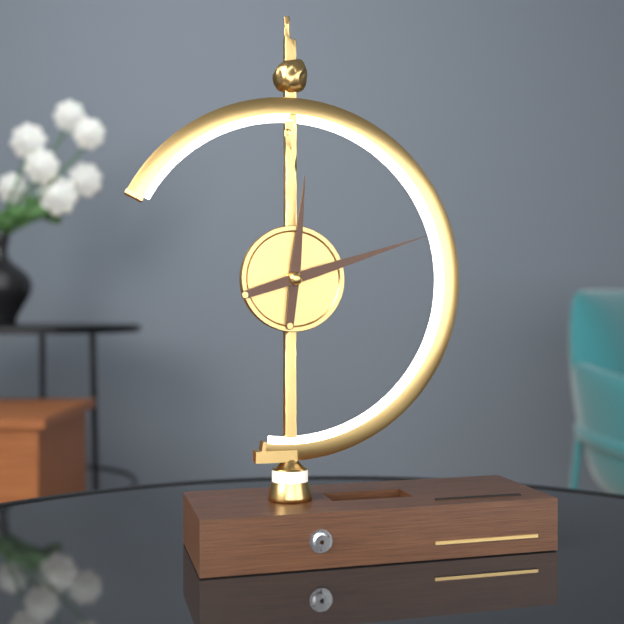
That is 12h12
